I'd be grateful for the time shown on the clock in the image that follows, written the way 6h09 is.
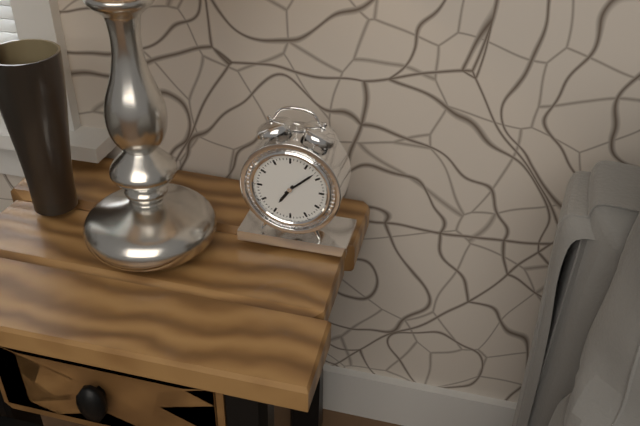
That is 7h08
